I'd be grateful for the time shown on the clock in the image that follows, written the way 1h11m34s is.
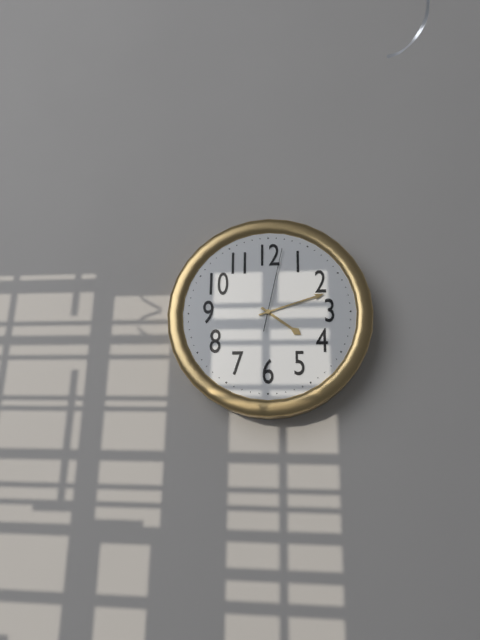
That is 4h12m02s
